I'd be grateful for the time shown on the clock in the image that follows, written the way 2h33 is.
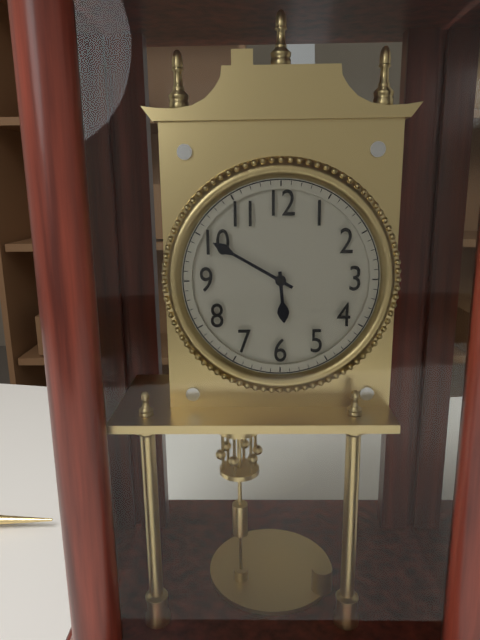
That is 5h50
